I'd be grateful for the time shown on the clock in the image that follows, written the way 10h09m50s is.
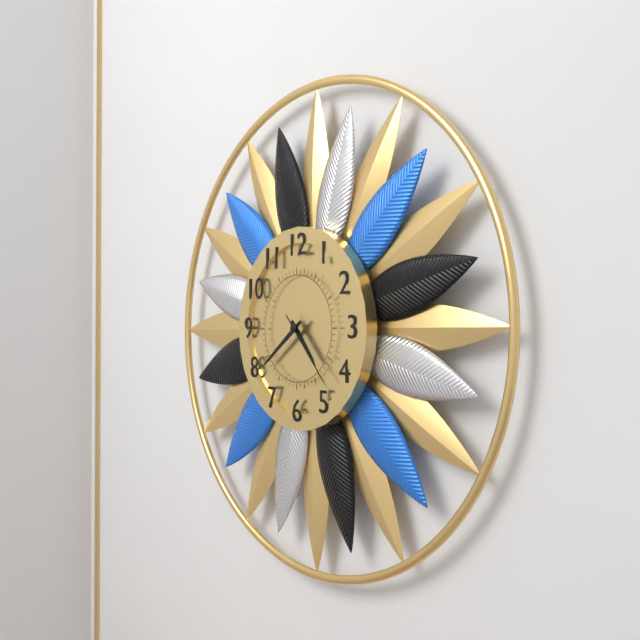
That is 4h39m23s
